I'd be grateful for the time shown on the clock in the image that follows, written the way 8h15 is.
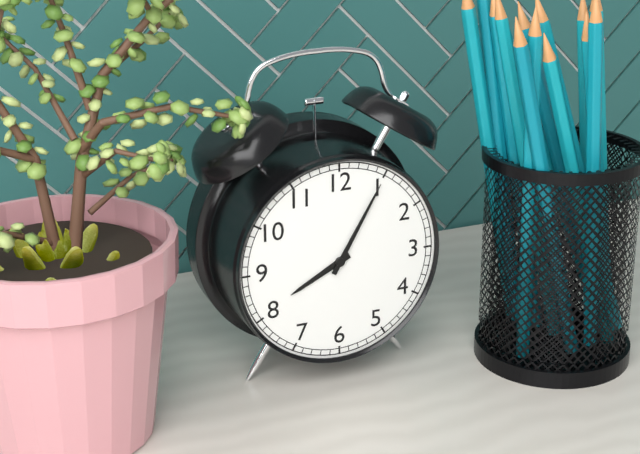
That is 8h05
